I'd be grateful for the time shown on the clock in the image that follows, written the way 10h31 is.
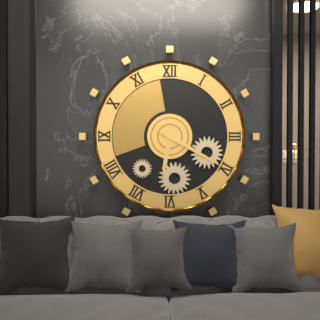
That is 6h20
